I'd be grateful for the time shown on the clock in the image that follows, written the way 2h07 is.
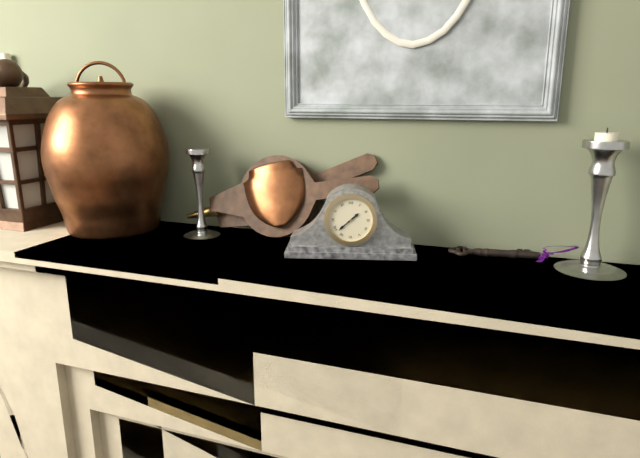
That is 1h38
